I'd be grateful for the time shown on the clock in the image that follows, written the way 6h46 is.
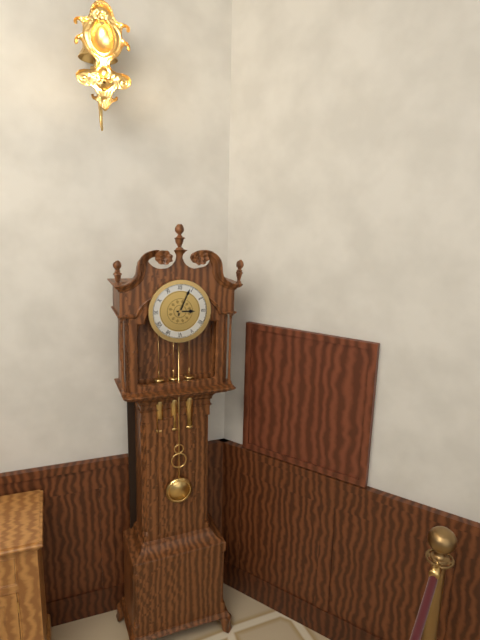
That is 3h04
